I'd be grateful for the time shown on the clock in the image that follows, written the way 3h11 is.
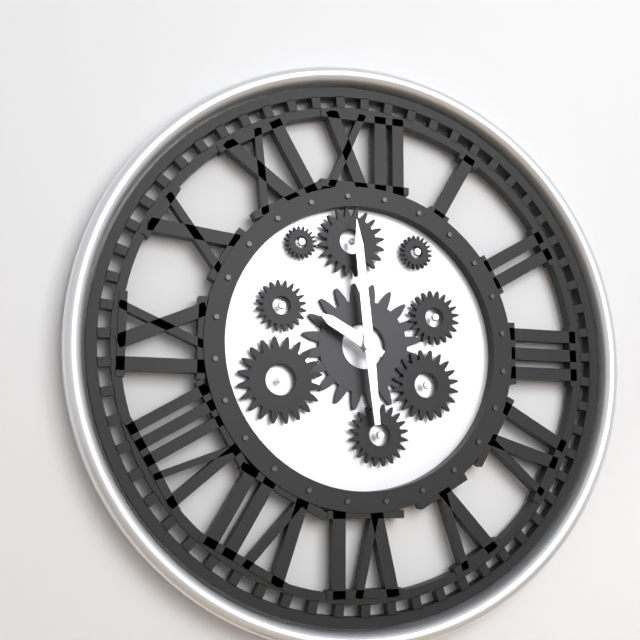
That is 9h59
